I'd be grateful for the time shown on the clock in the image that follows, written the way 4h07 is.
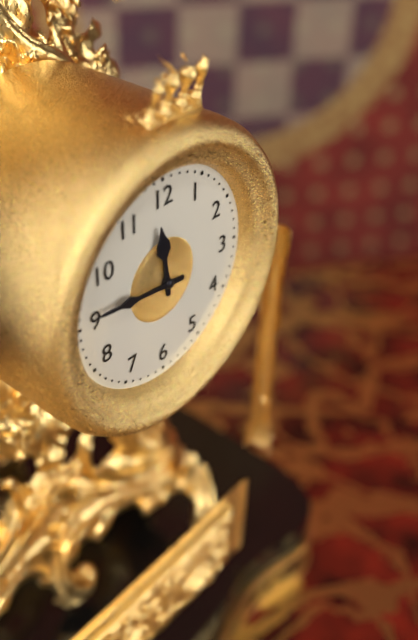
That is 11h46
